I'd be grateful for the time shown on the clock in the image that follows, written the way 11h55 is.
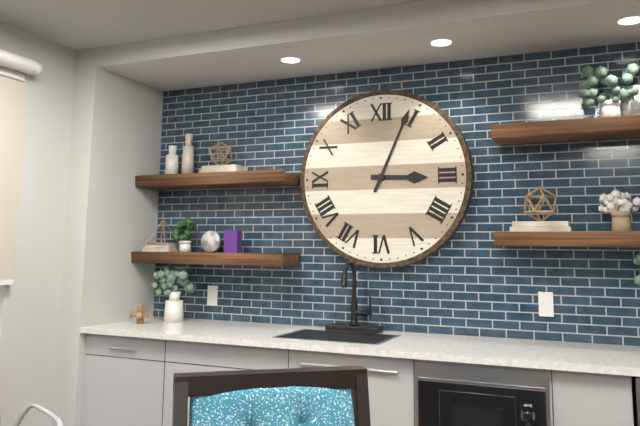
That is 3h04
